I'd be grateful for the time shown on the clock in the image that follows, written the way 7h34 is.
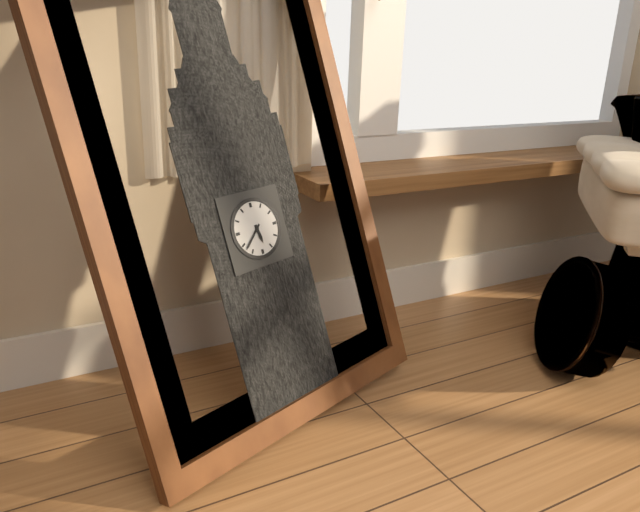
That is 5h38
